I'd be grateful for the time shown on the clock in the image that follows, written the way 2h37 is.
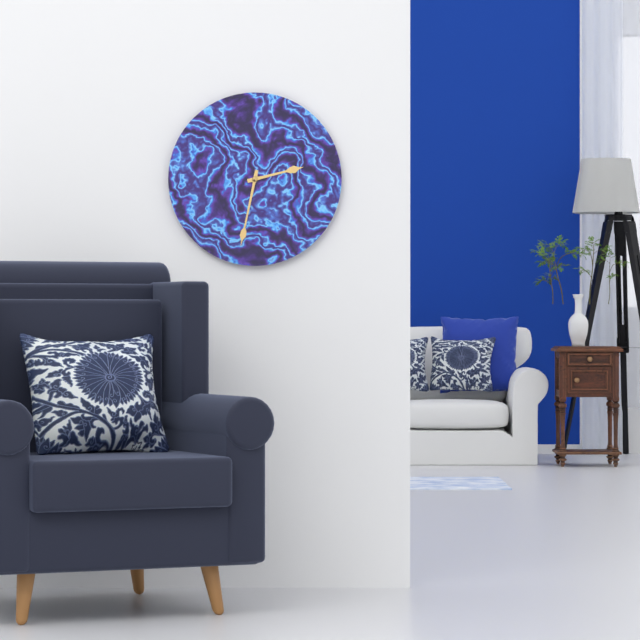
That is 2h32
